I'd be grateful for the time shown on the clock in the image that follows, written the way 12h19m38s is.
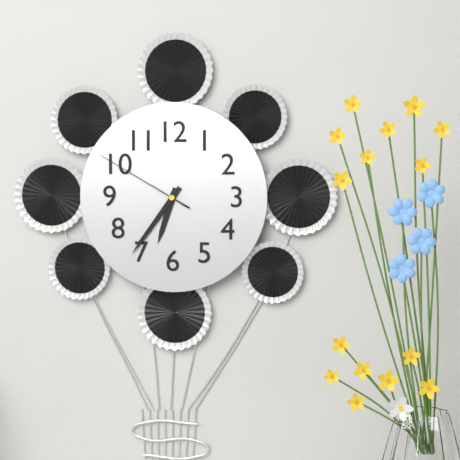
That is 6h36m50s
